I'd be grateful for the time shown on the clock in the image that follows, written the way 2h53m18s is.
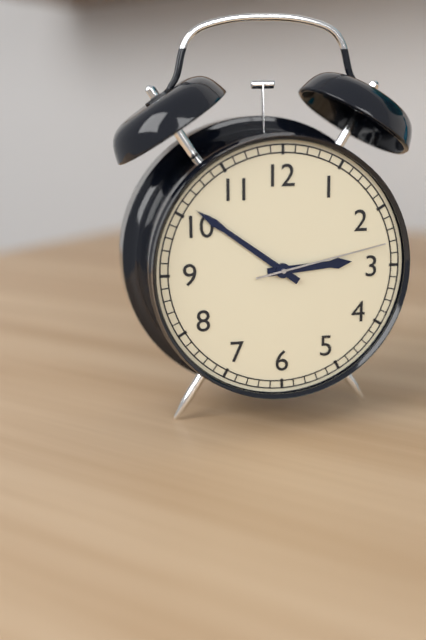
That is 2h51m13s
